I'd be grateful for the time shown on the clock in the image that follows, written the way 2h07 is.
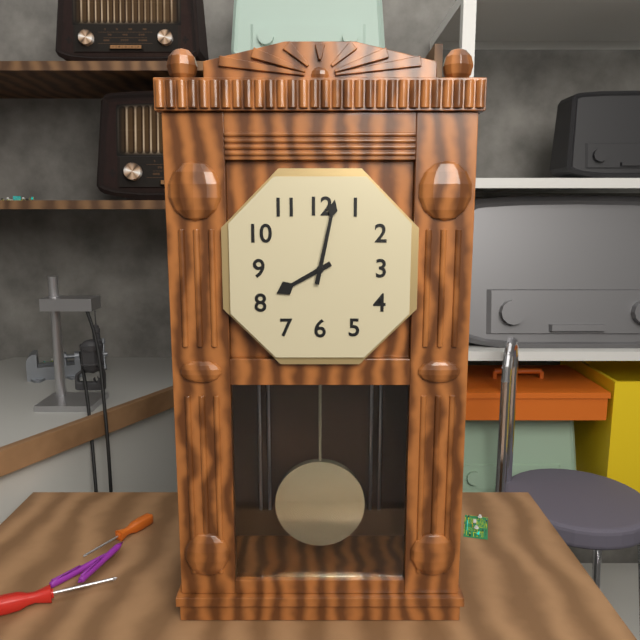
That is 8h02
